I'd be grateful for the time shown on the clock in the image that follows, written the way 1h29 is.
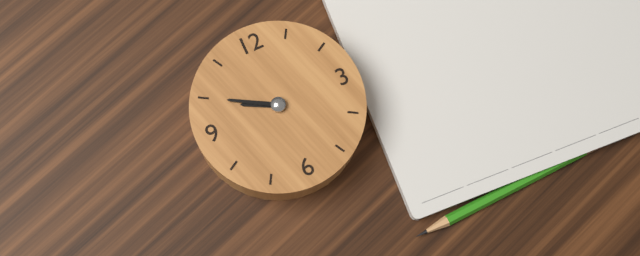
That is 9h50
